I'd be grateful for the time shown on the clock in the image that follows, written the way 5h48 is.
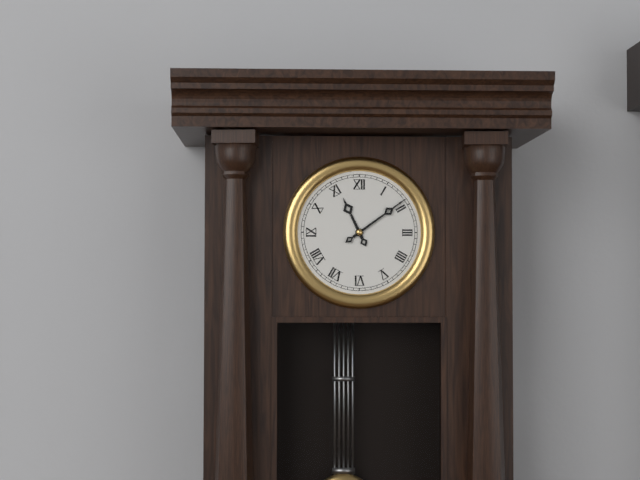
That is 11h09
